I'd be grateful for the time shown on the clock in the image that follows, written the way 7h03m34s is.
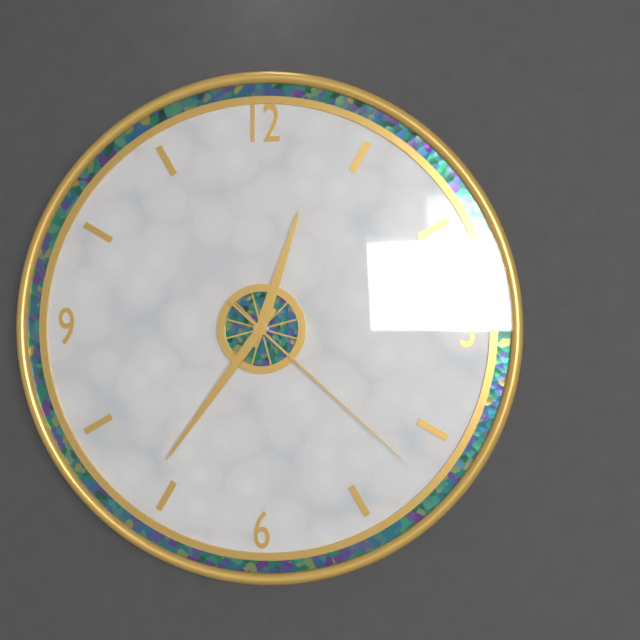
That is 12h36m22s
